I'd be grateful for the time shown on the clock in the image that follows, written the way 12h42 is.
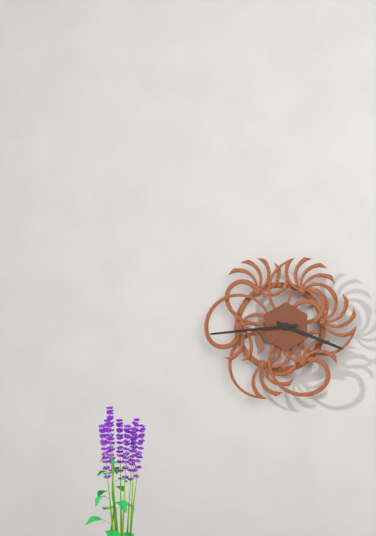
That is 3h44
